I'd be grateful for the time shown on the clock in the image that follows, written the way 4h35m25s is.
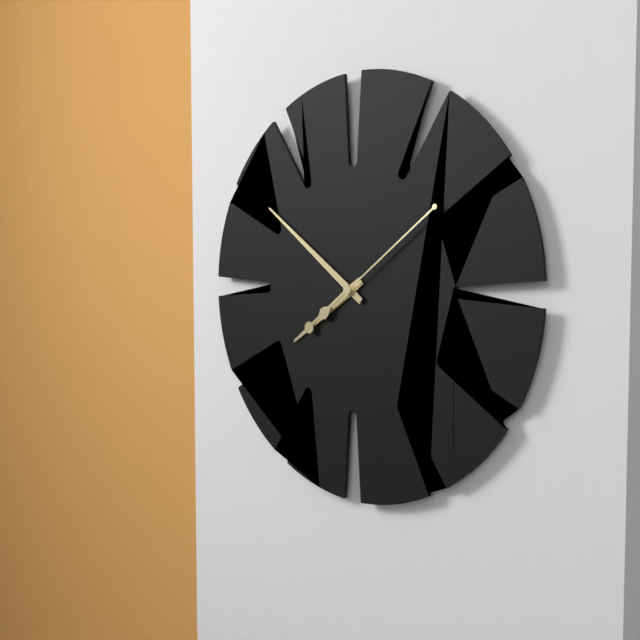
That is 7h51m09s
